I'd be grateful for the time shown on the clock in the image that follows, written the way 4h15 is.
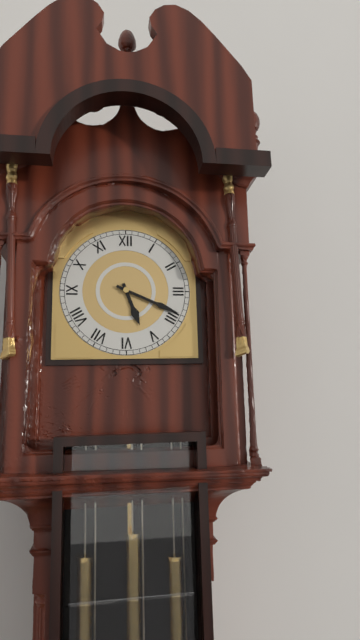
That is 5h19
